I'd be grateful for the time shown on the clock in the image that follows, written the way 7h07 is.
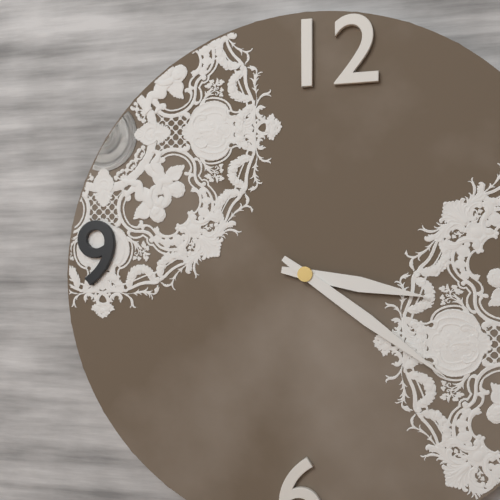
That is 3h21
